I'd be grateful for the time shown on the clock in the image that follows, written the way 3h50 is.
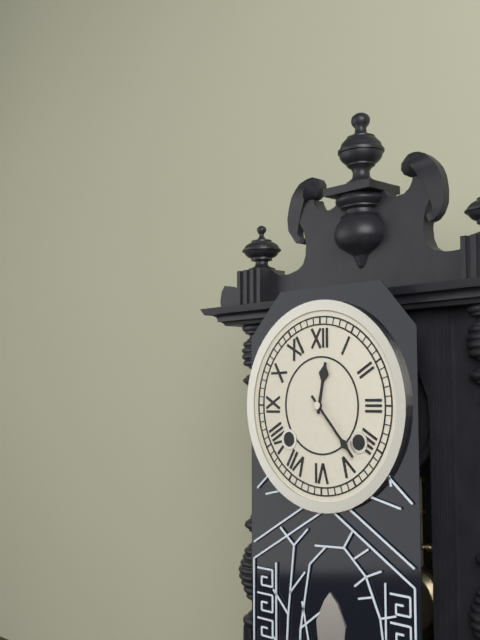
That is 12h23
